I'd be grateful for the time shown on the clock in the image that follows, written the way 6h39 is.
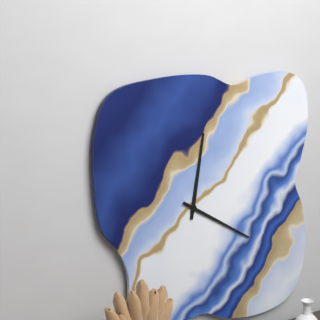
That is 12h20
